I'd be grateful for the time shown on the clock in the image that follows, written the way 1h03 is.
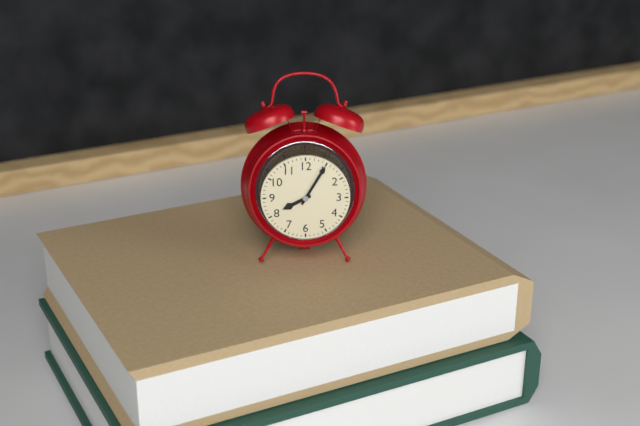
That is 8h05
